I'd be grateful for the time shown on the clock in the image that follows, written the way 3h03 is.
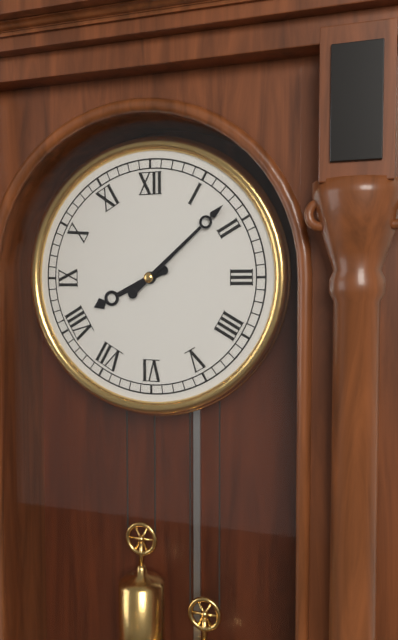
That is 8h08
